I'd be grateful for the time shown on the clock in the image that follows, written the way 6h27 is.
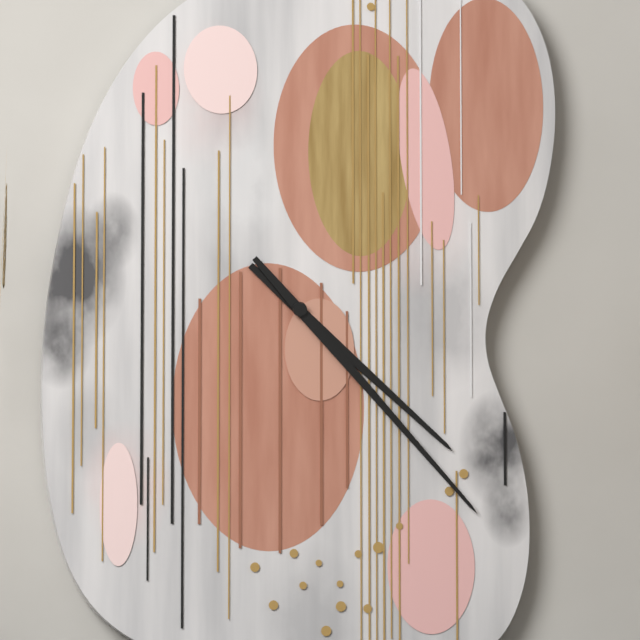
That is 4h23
